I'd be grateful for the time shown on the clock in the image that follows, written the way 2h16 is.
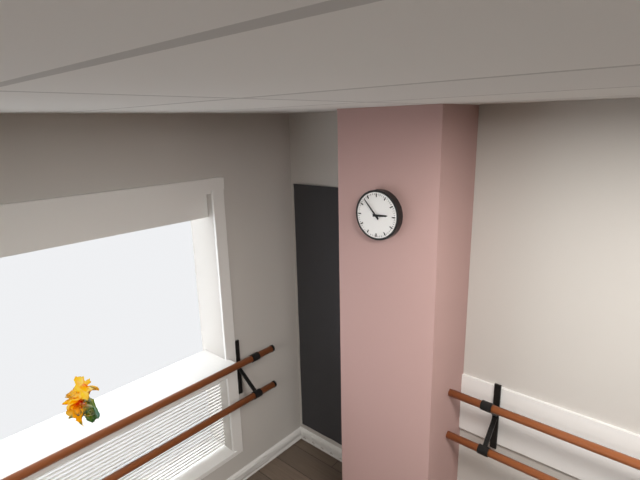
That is 2h53
